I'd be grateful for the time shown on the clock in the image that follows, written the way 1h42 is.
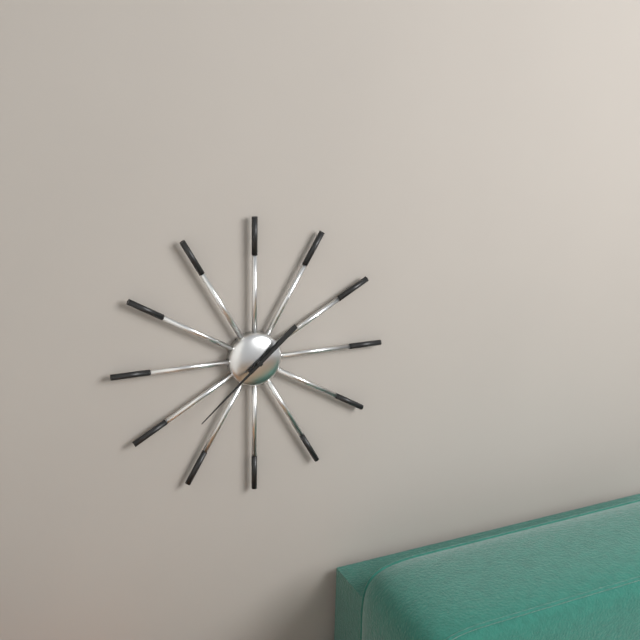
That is 1h38
